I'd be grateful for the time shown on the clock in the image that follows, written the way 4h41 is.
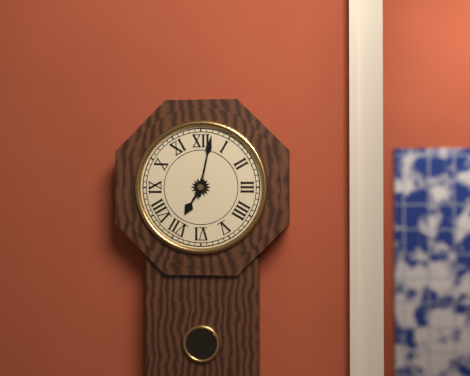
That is 7h02
